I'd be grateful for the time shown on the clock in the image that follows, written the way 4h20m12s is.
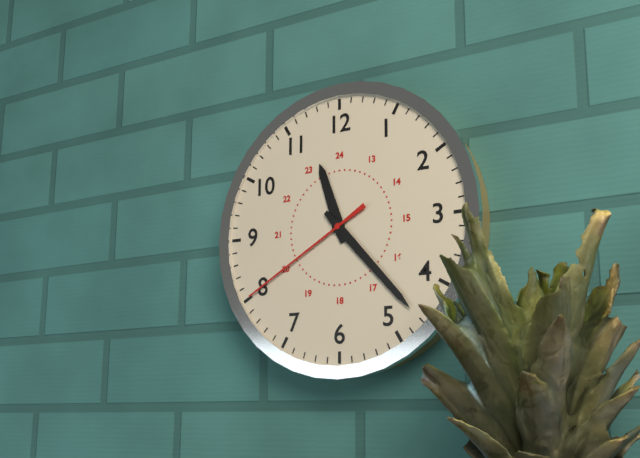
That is 11h23m40s
